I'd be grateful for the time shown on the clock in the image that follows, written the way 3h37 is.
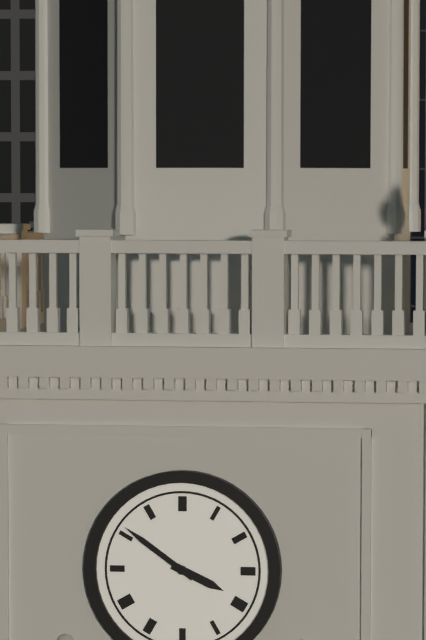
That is 3h51
